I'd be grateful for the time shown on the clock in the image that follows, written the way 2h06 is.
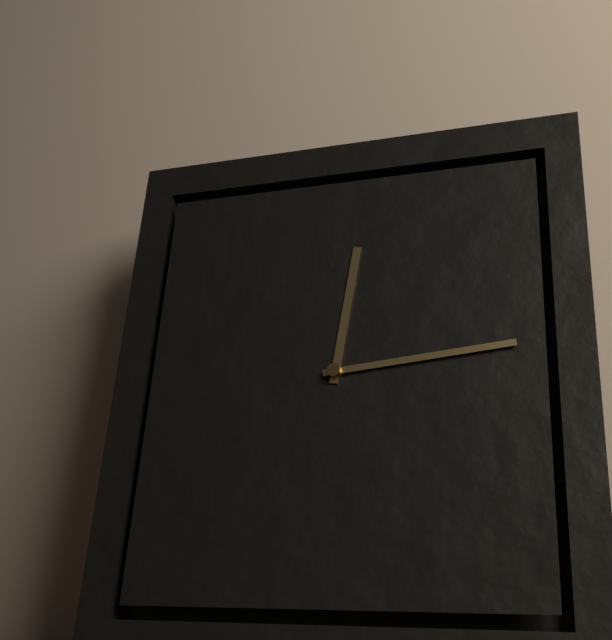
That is 12h14
